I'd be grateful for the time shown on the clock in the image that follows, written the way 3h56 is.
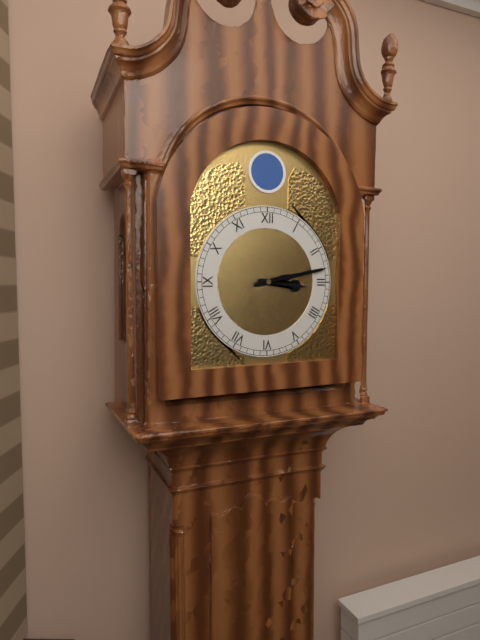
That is 3h13
